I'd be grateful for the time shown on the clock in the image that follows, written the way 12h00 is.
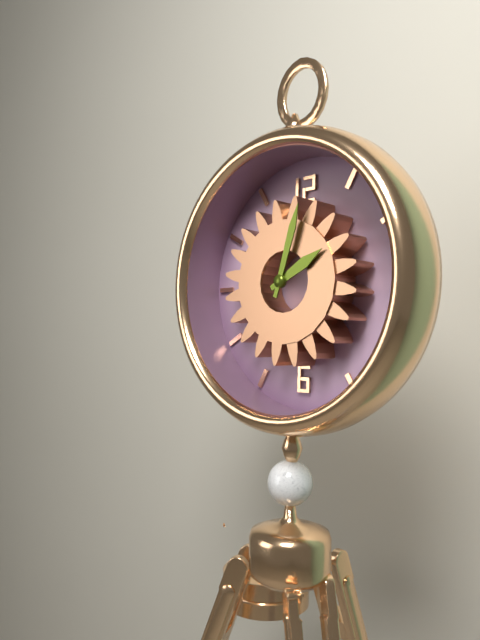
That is 2h03
